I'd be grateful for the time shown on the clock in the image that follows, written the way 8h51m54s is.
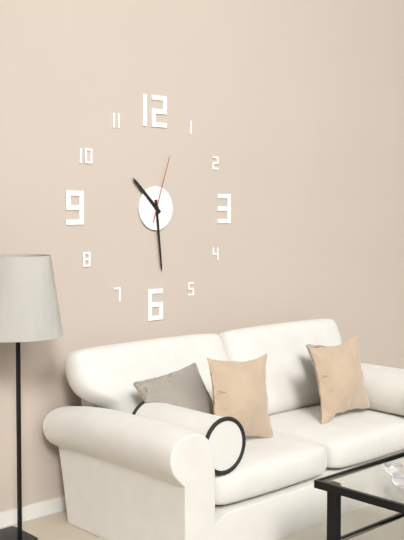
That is 10h29m03s
